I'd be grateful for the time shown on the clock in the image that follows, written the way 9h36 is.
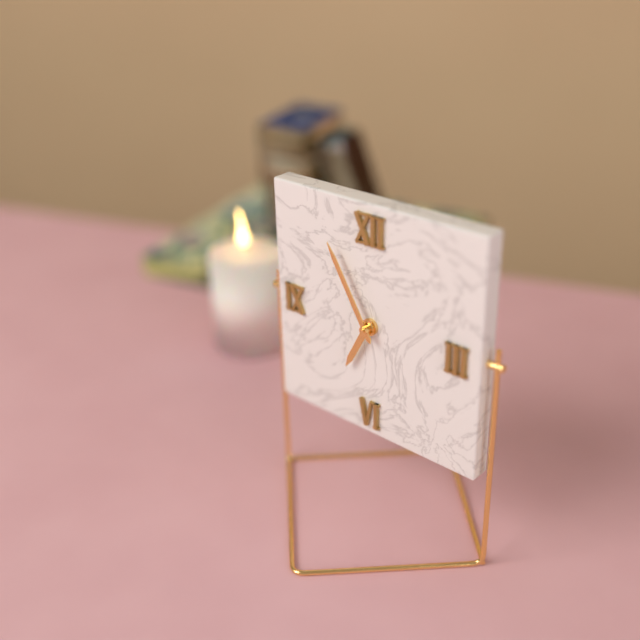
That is 6h55
